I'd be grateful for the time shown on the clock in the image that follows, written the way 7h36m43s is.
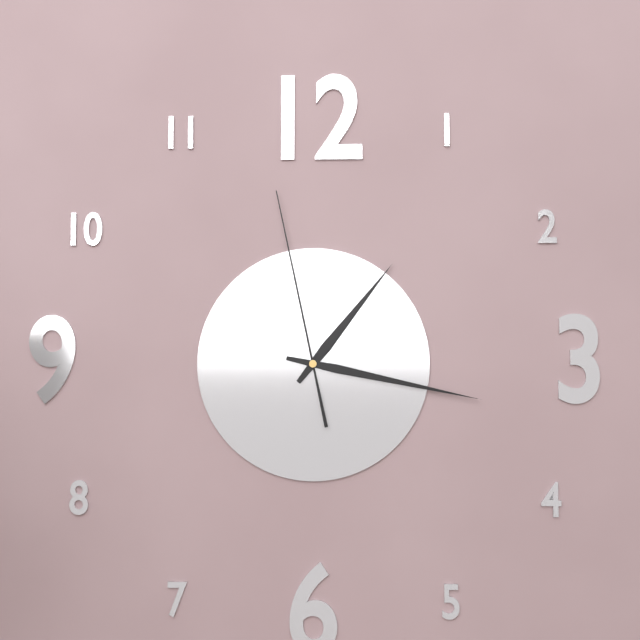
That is 1h17m58s
